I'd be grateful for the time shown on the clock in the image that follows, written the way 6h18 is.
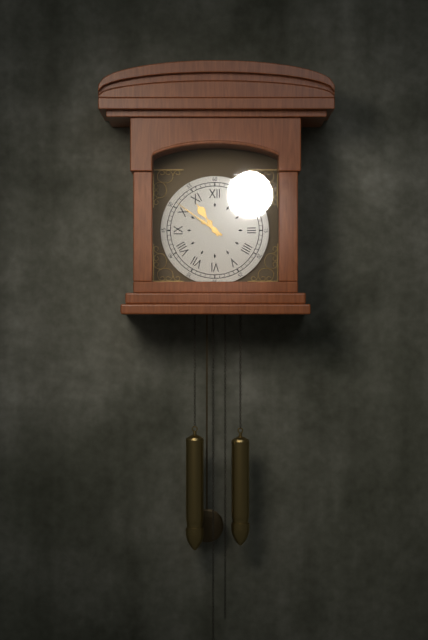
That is 10h51
